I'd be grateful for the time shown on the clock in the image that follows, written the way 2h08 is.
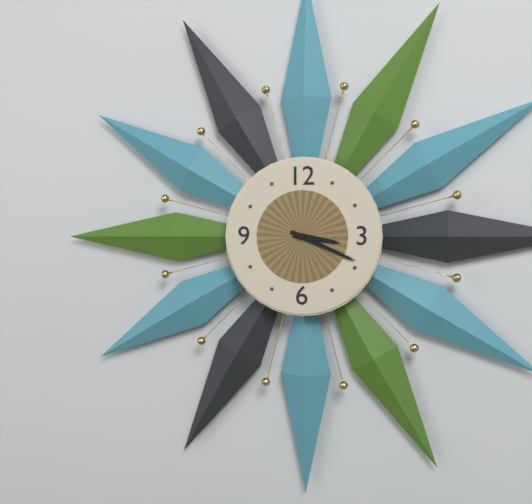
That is 3h19
